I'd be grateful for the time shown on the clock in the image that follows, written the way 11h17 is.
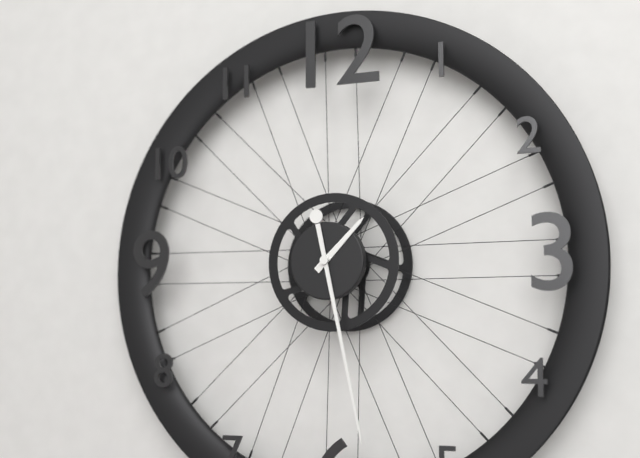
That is 1h28
